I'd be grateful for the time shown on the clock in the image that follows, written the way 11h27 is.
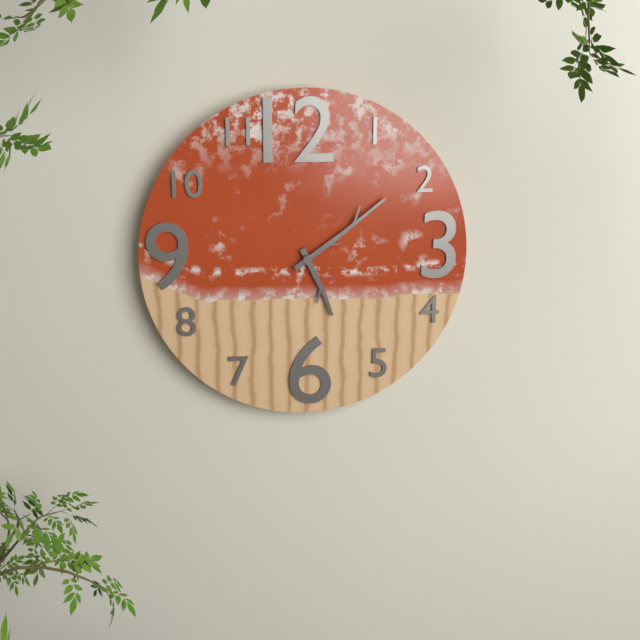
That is 5h09
